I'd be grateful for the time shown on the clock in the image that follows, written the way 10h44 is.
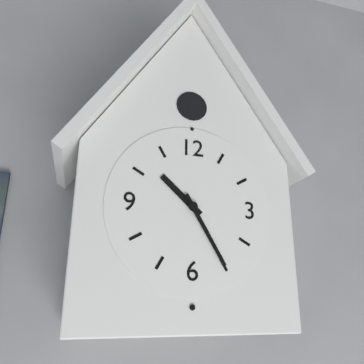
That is 10h25
